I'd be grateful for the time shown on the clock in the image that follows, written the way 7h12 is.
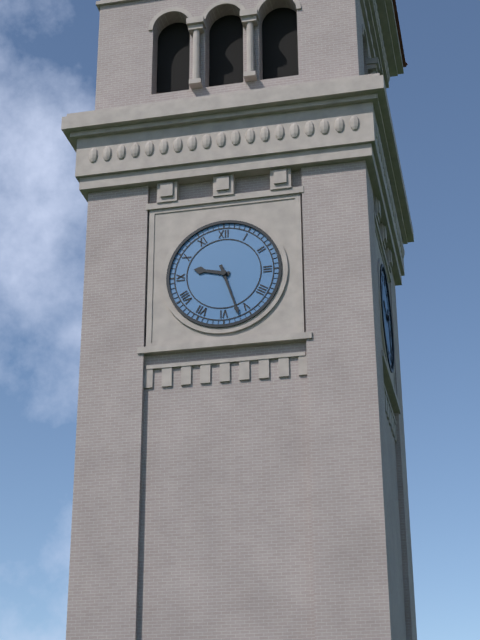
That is 9h27
